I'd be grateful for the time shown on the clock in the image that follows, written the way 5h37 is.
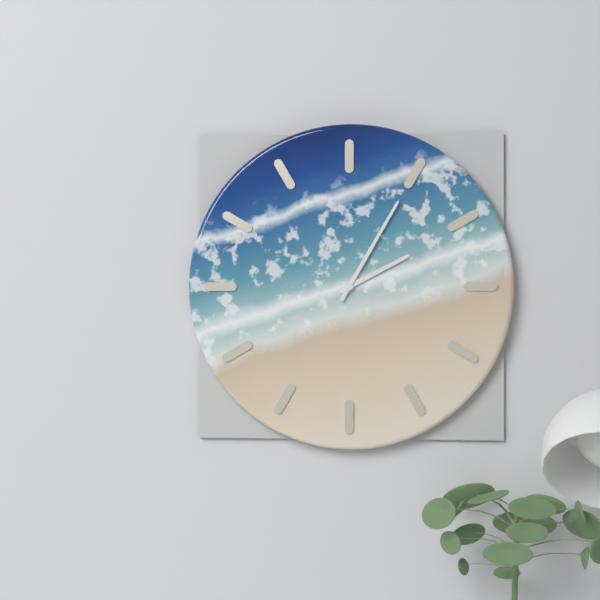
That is 2h05
